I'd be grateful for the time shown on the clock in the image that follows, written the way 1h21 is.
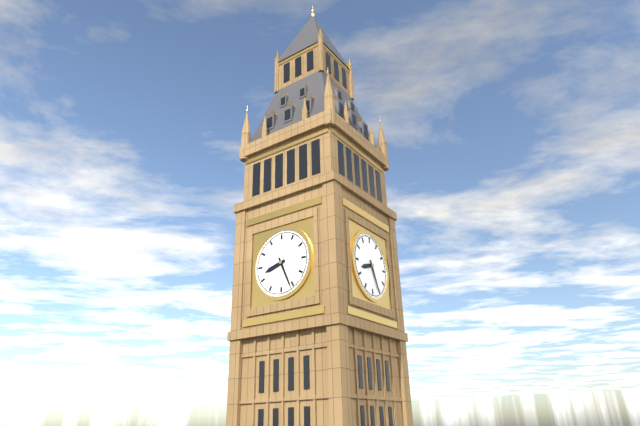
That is 8h26
